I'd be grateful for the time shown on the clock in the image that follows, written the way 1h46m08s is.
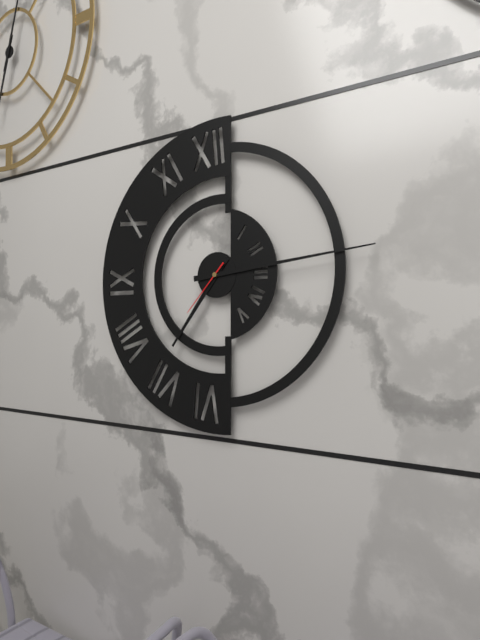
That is 7h14m37s
